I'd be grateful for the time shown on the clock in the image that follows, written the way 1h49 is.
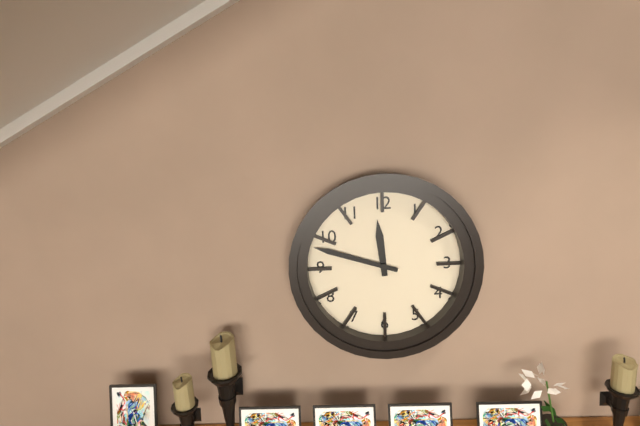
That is 11h48
